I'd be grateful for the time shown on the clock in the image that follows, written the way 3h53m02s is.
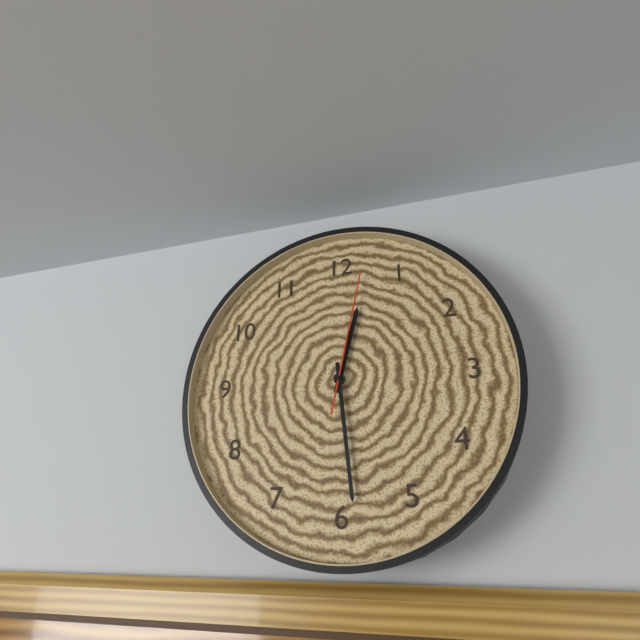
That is 12h29m02s
